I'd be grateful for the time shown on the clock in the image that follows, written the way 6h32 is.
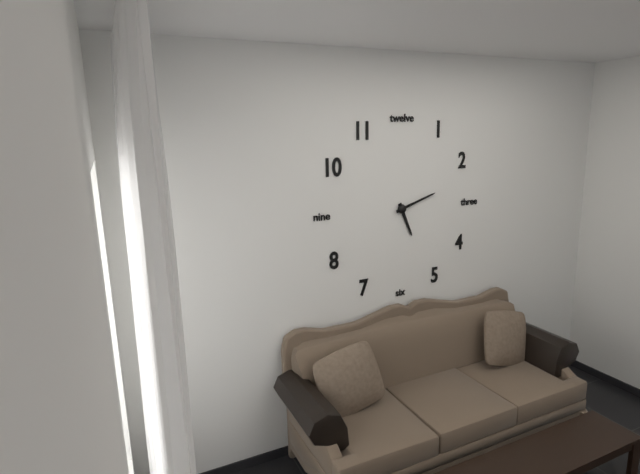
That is 5h12
